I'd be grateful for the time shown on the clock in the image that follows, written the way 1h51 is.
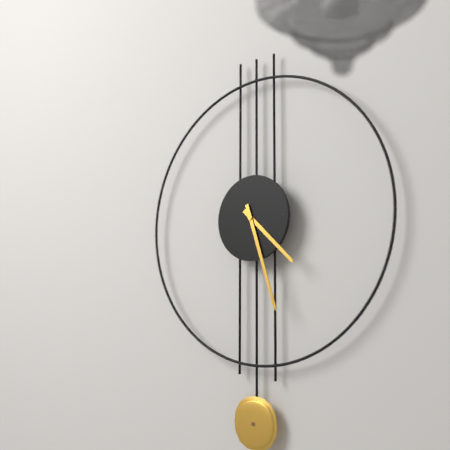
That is 4h27
